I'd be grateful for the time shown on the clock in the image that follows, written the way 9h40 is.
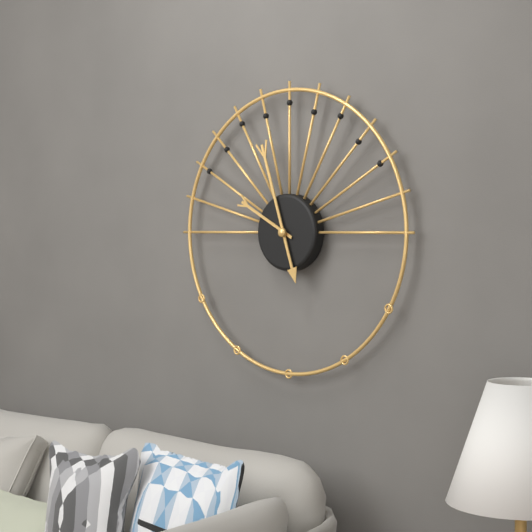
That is 9h57
